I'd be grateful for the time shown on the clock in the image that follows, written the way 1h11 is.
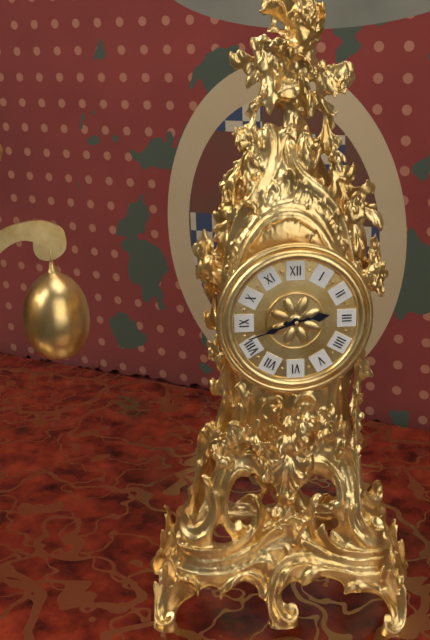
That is 2h42
